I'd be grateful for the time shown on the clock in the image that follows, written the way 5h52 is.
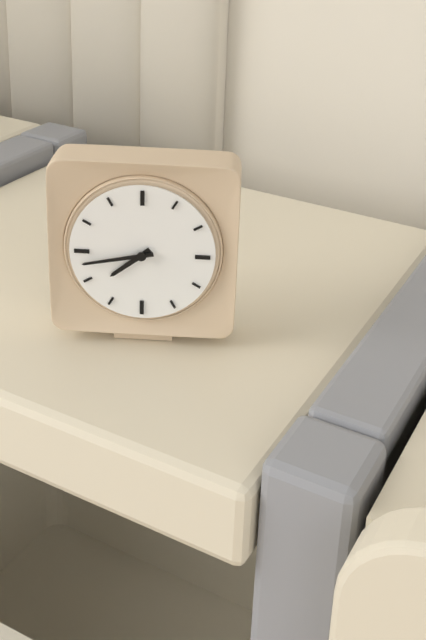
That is 7h43
